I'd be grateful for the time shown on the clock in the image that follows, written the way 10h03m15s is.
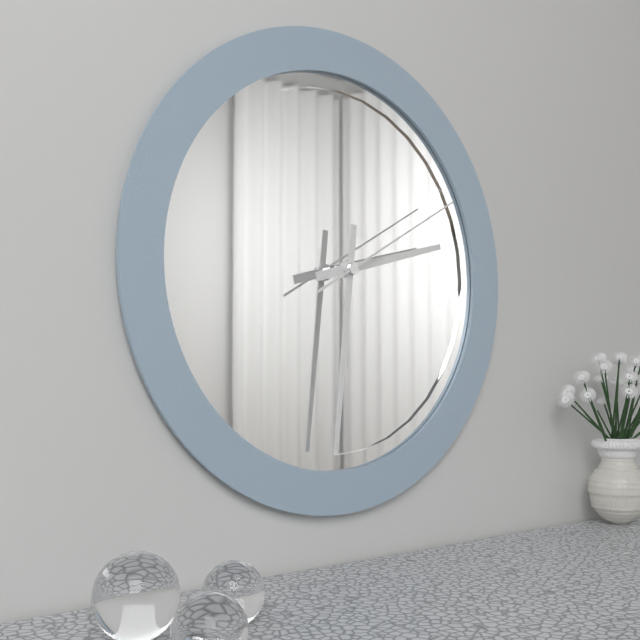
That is 2h31m10s
